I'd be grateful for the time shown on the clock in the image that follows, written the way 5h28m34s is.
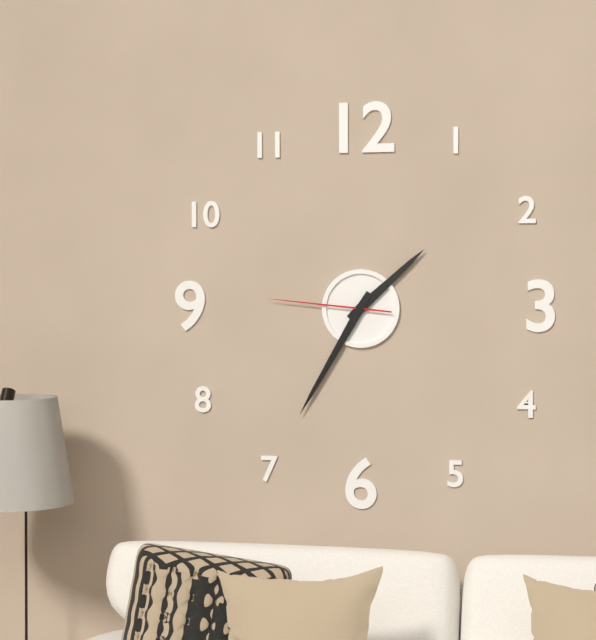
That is 1h35m46s
